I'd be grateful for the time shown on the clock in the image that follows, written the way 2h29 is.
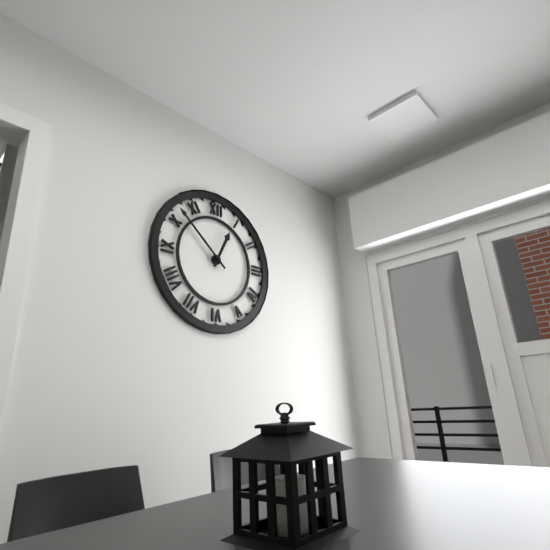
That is 12h52
